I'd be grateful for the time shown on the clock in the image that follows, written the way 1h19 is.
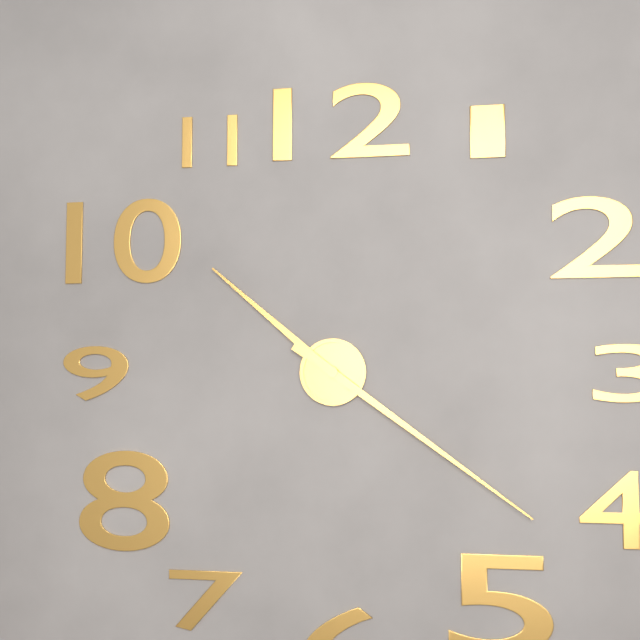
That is 10h21
